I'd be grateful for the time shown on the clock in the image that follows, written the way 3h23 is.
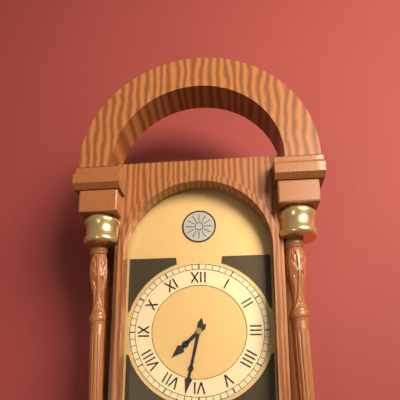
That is 7h32
